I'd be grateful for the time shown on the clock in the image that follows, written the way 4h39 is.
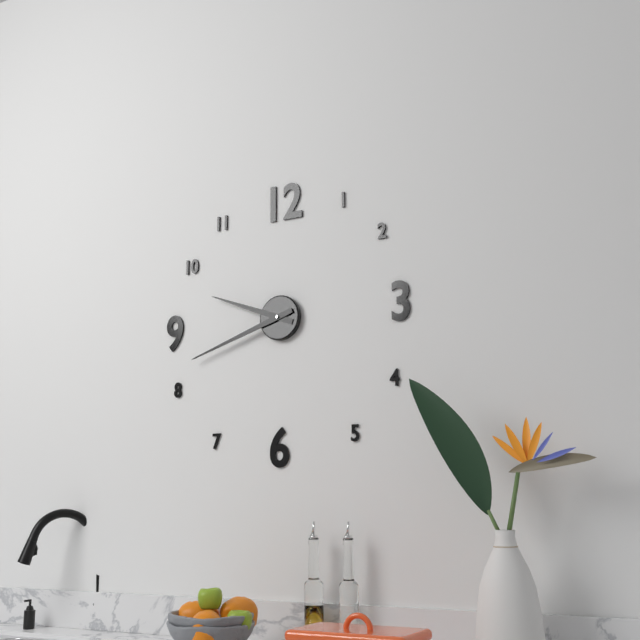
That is 9h42
